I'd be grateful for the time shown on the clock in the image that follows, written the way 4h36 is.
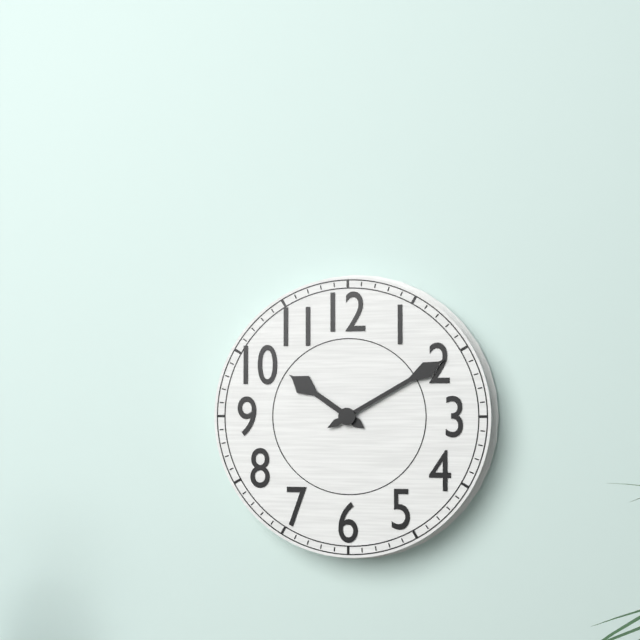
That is 10h10
